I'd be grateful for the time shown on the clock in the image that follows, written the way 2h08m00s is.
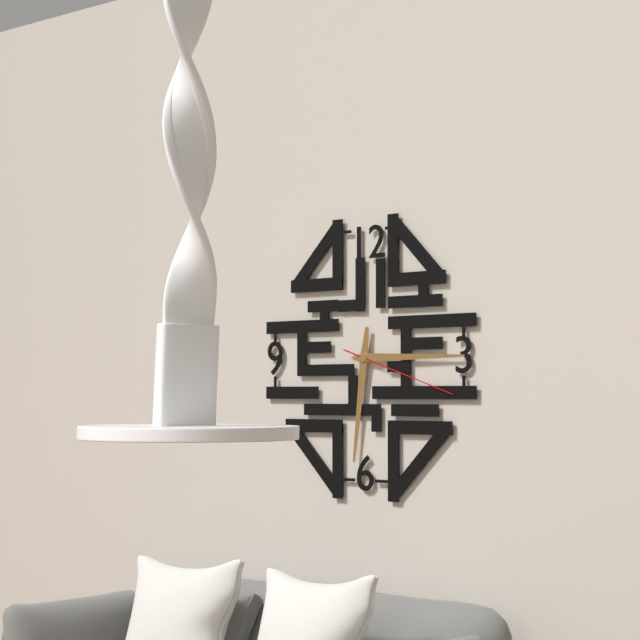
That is 6h15m18s
